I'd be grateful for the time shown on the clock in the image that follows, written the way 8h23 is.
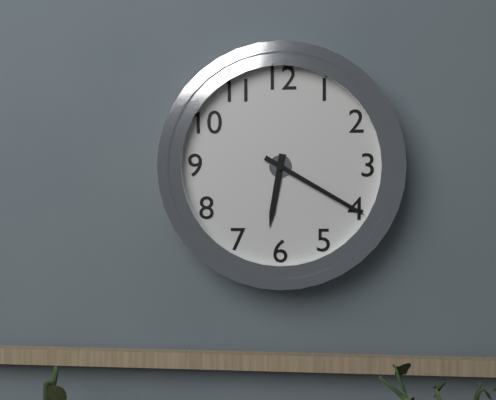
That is 6h20
